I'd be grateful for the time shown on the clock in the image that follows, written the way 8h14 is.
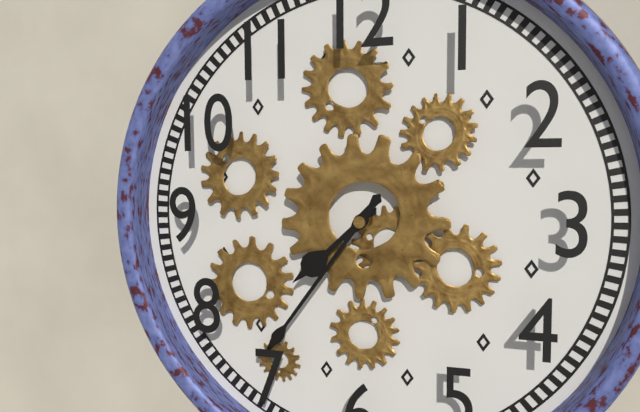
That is 7h36
